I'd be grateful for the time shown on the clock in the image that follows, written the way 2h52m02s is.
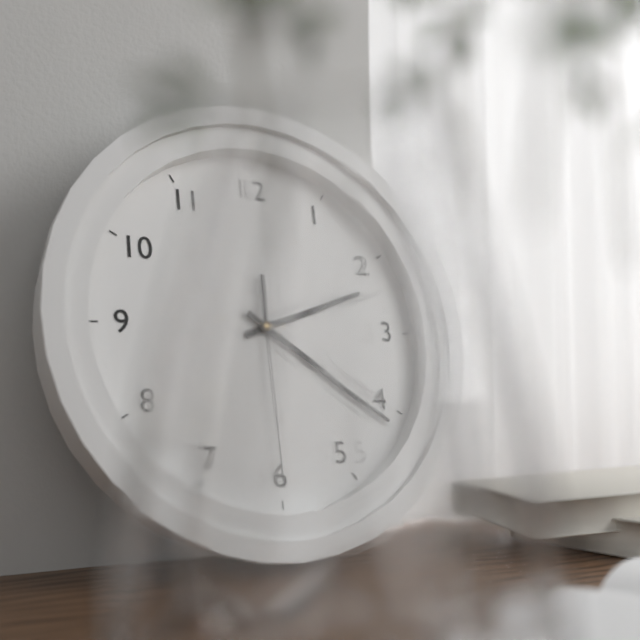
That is 2h21m30s
